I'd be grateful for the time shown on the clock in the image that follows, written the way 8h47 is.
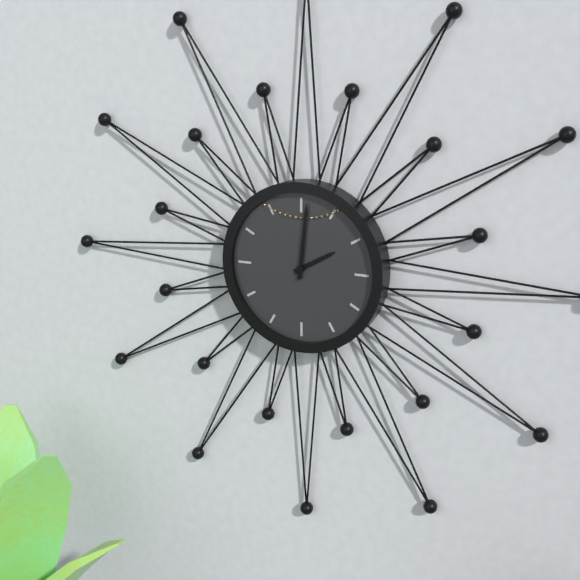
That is 2h01
